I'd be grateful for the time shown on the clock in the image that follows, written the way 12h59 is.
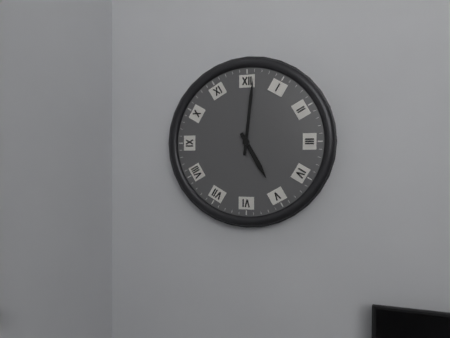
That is 5h01
